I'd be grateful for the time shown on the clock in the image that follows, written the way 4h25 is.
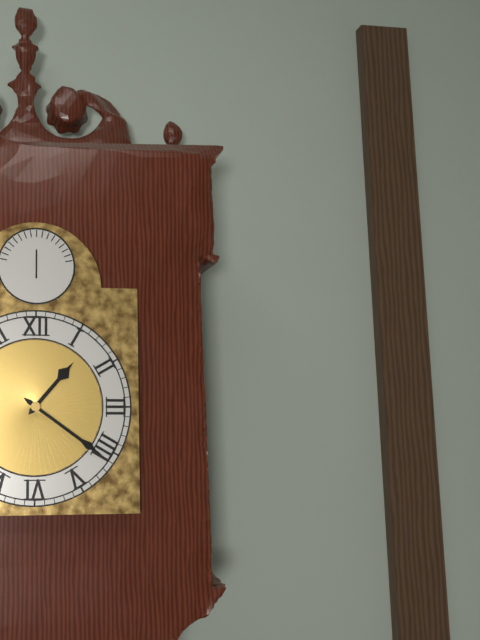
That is 1h21
